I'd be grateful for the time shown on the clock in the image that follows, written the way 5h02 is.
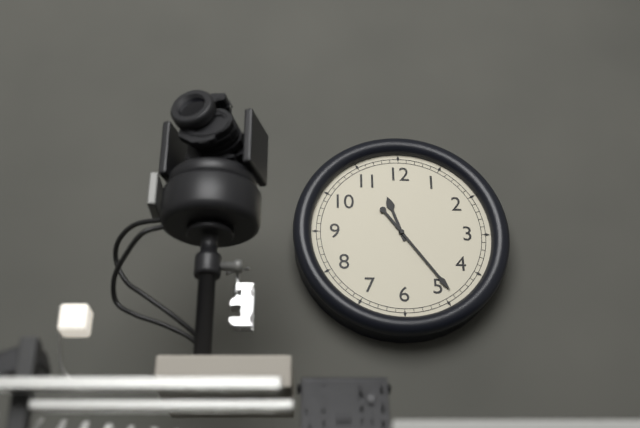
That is 11h24
